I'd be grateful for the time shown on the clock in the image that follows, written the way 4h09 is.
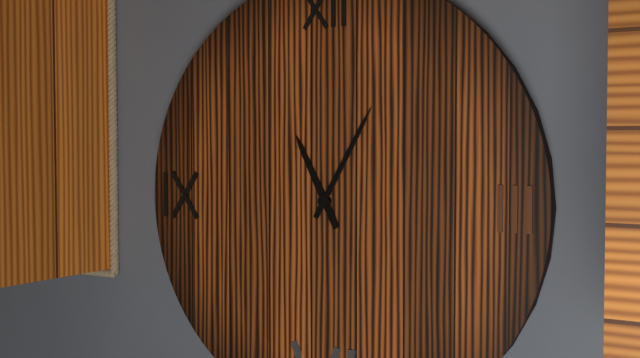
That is 11h05
